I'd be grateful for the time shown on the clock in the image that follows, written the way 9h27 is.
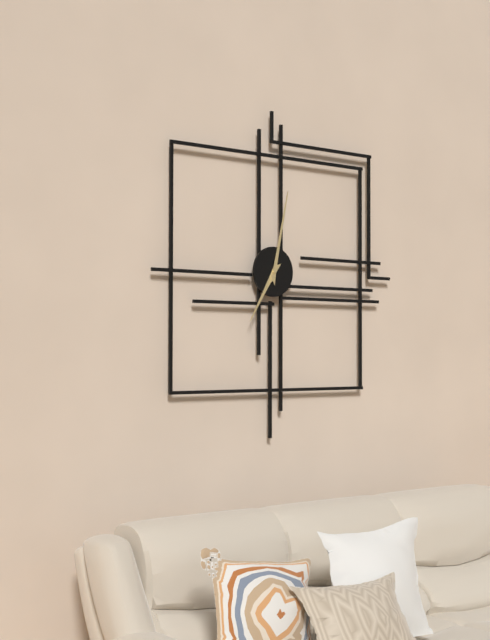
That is 7h02
